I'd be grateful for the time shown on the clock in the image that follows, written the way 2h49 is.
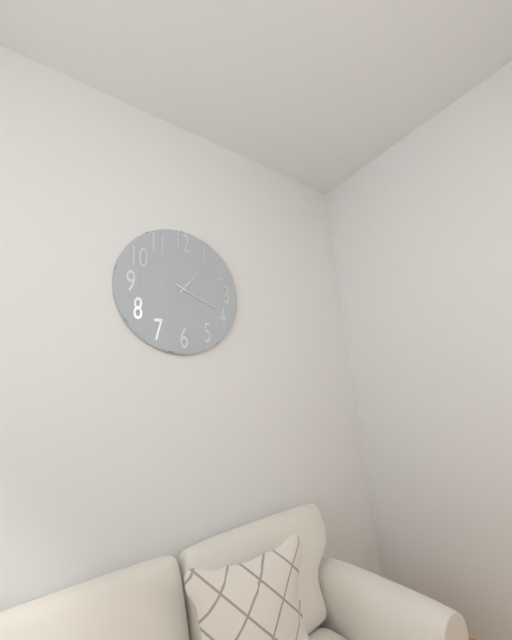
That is 1h19
